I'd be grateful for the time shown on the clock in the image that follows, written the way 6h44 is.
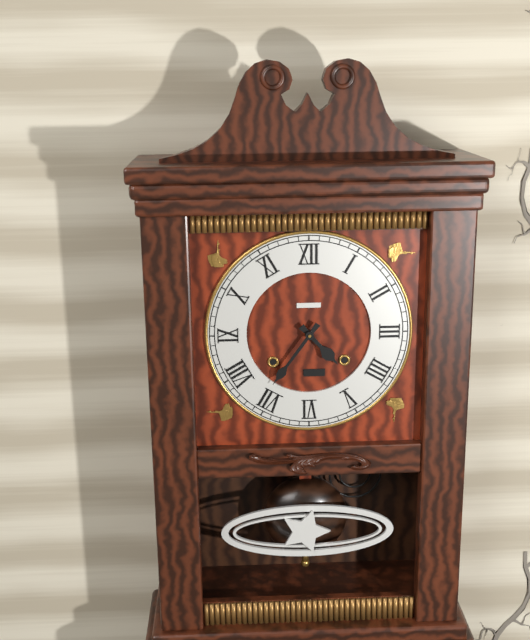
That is 4h36
